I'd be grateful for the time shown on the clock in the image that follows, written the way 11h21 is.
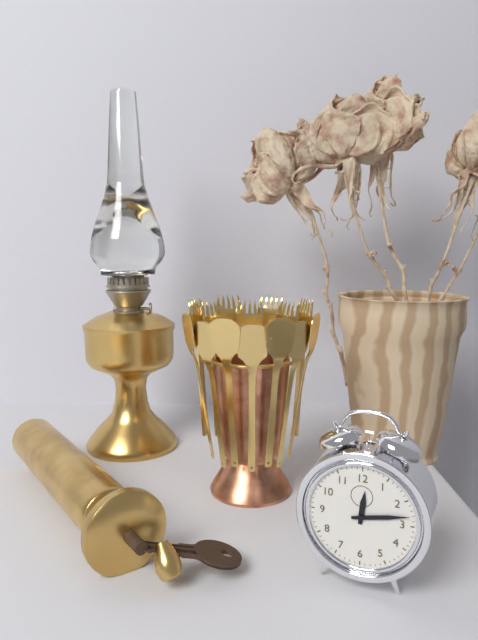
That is 12h13
